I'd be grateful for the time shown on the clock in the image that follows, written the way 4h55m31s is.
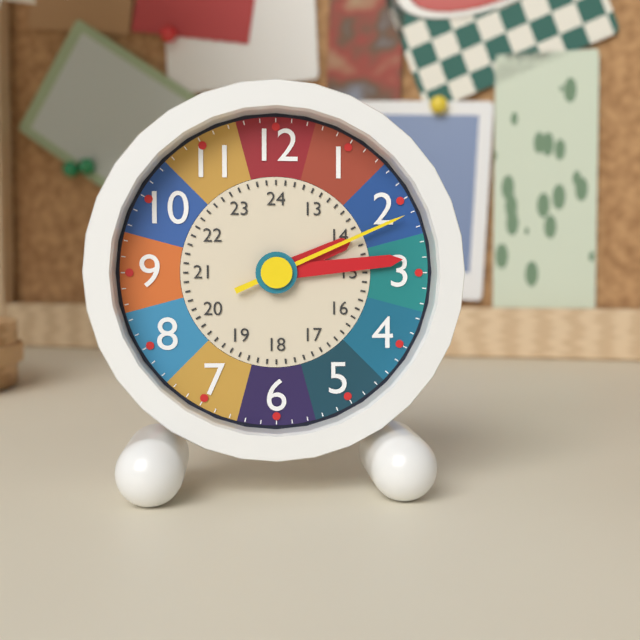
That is 2h14m11s
